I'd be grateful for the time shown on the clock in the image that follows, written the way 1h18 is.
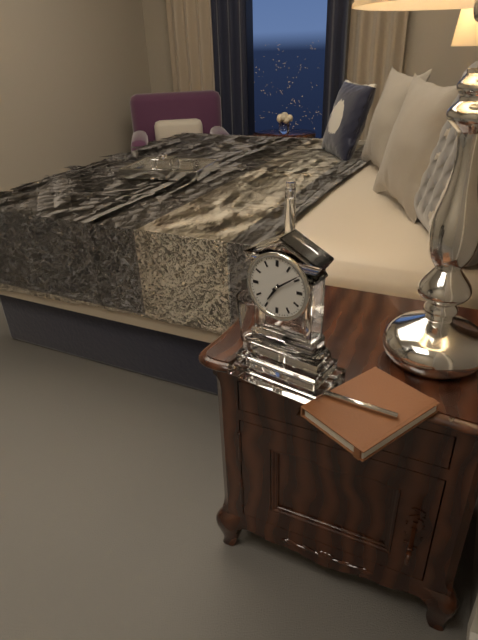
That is 7h09
